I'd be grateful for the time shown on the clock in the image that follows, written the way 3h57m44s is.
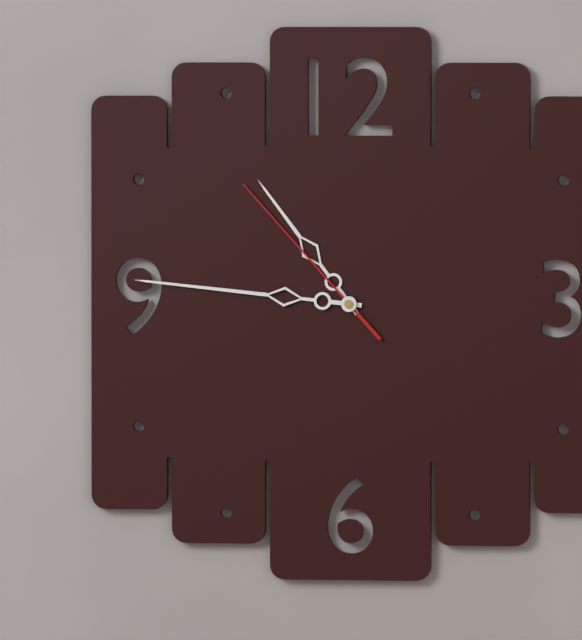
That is 10h46m53s
